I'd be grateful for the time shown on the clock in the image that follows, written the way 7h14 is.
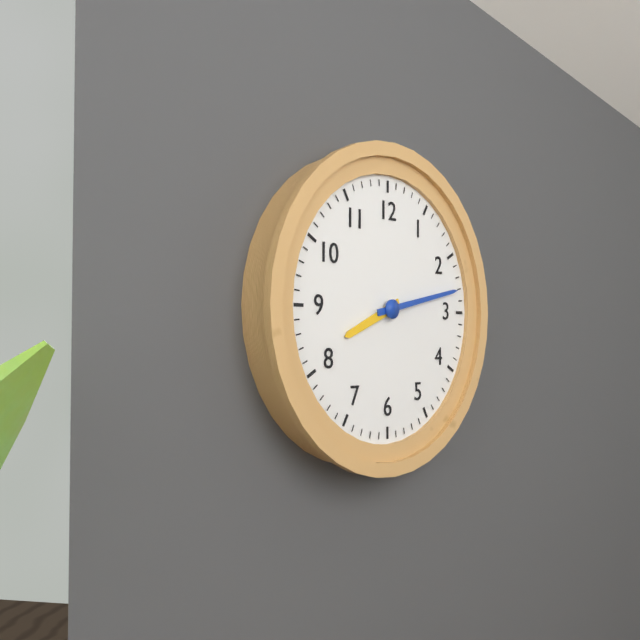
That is 8h13
